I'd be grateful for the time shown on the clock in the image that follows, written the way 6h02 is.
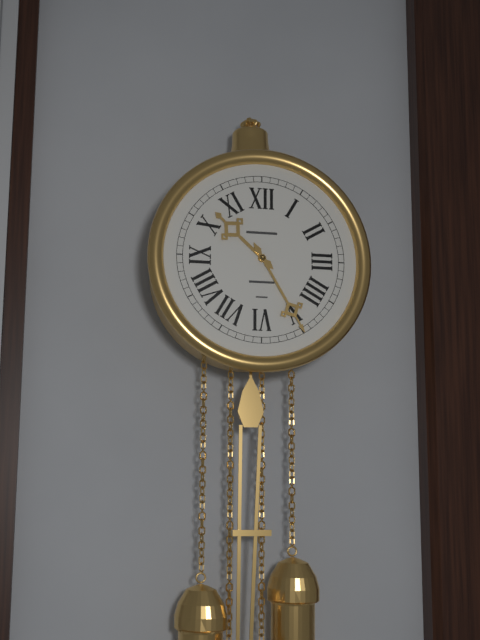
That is 10h25
